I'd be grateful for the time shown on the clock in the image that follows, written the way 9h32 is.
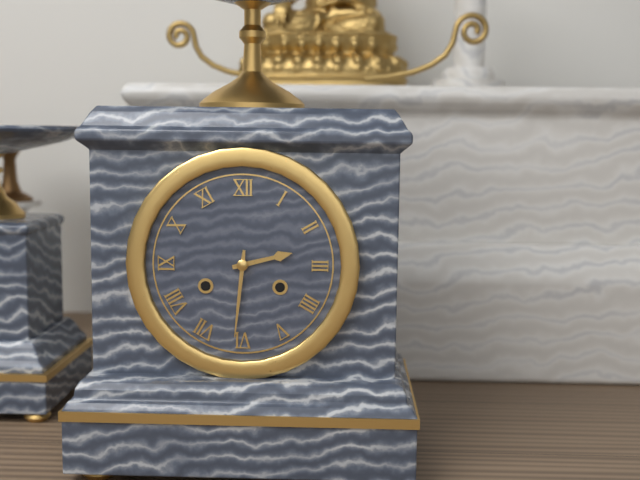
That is 2h31
